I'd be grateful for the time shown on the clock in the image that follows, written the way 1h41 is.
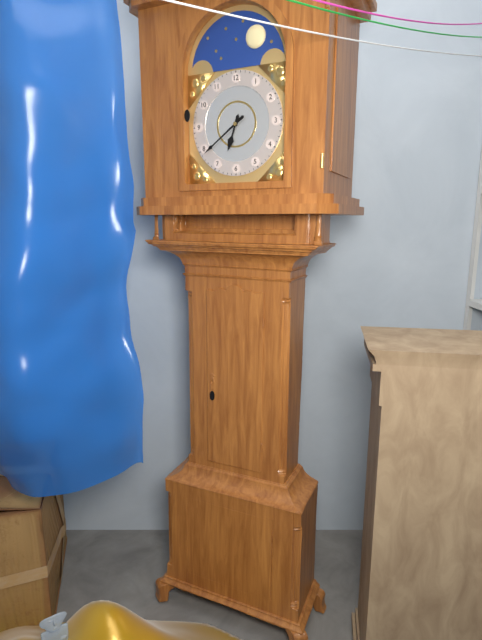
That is 6h39
